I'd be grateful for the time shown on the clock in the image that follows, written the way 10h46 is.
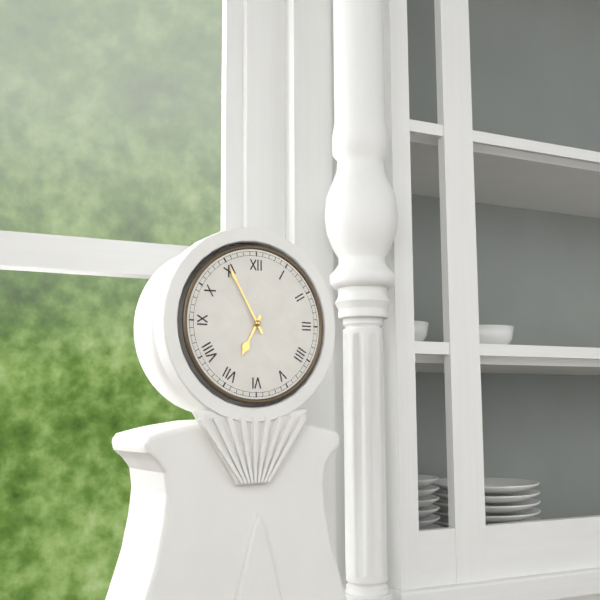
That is 6h55
